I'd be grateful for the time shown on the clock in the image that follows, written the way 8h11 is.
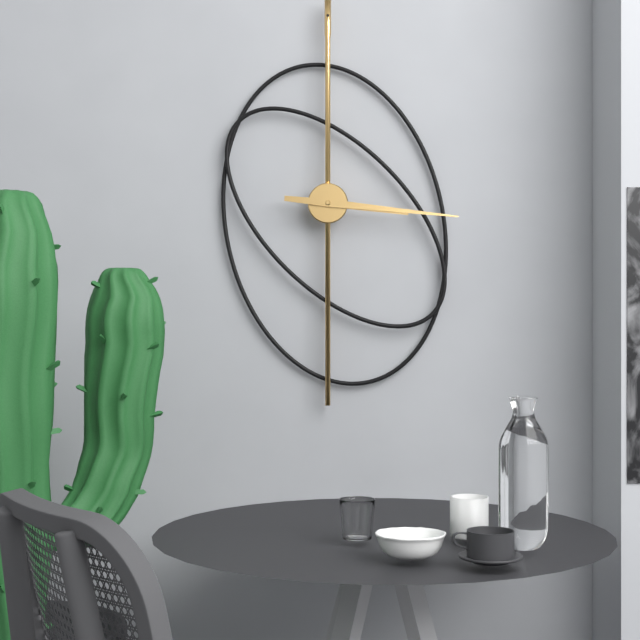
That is 3h16
